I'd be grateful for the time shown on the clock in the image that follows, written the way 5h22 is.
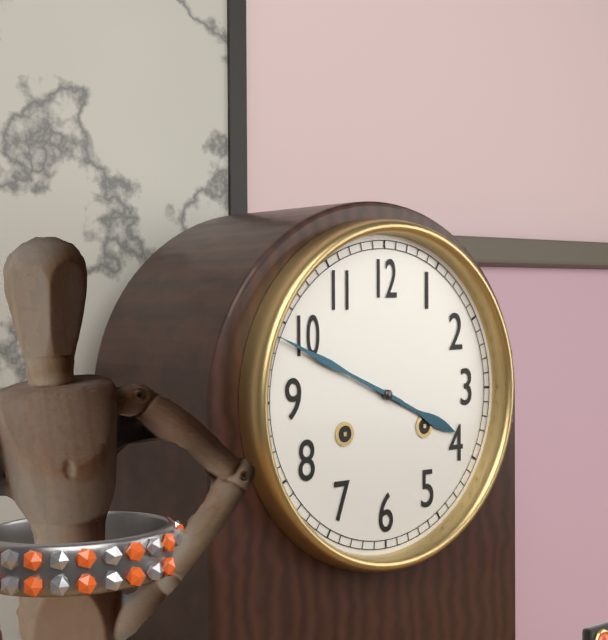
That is 3h49
